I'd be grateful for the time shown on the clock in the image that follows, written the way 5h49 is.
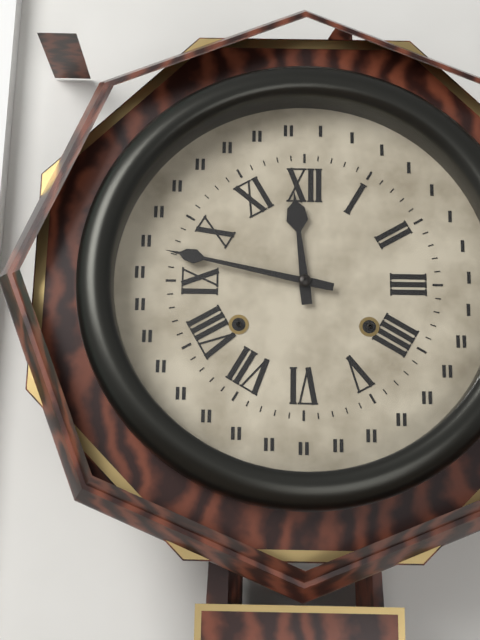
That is 11h47
